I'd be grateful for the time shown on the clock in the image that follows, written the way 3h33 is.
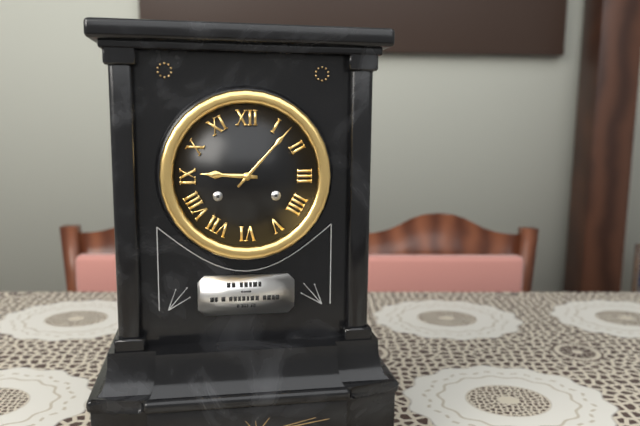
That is 9h07
